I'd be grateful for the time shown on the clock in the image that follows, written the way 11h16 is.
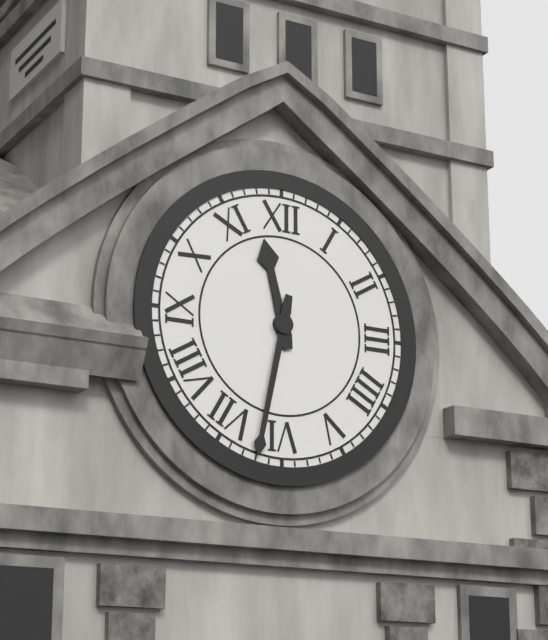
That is 11h32
